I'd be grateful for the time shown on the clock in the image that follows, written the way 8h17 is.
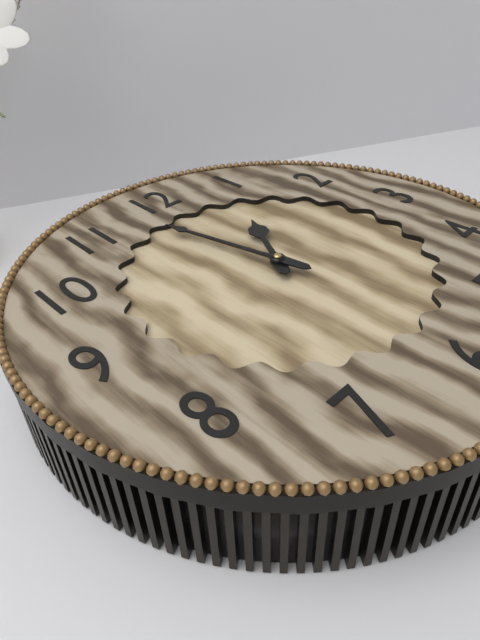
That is 12h58
